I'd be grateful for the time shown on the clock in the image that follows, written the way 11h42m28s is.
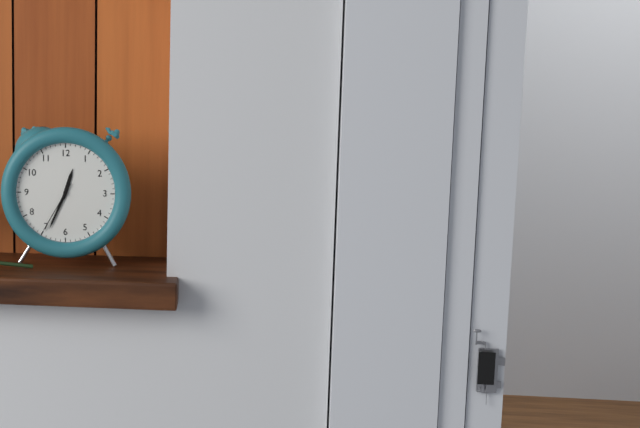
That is 12h34m35s
